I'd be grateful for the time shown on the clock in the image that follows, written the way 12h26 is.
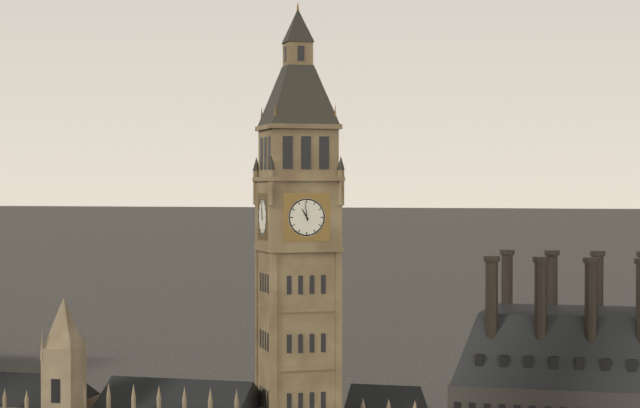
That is 10h59
